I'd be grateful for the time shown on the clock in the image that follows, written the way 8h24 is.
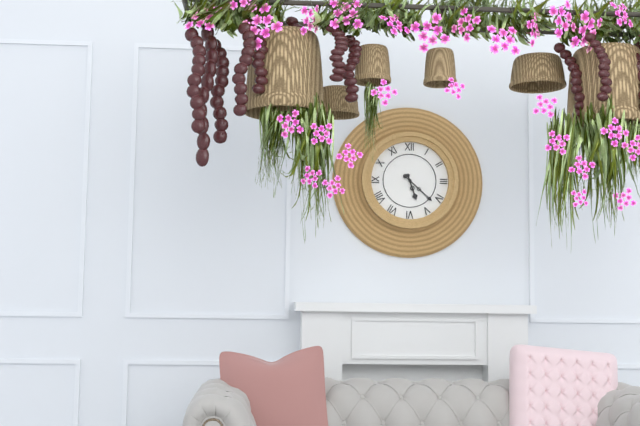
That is 5h22
